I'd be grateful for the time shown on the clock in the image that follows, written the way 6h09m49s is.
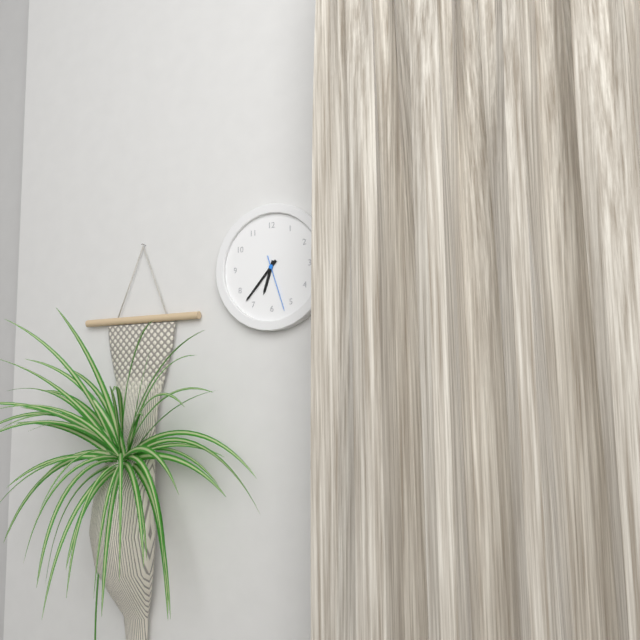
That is 6h37m27s
